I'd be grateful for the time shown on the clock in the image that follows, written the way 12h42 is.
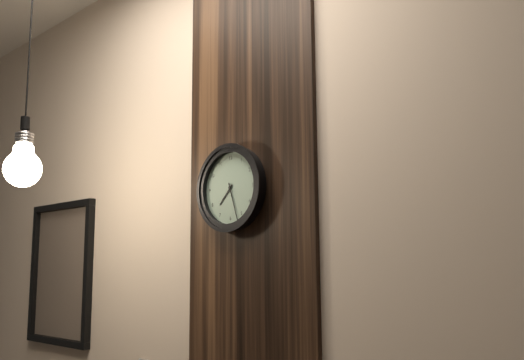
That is 7h27
